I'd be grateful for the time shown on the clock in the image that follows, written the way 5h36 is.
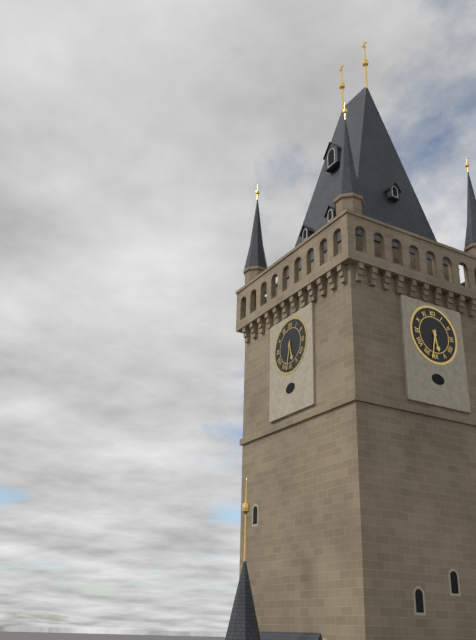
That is 5h32
